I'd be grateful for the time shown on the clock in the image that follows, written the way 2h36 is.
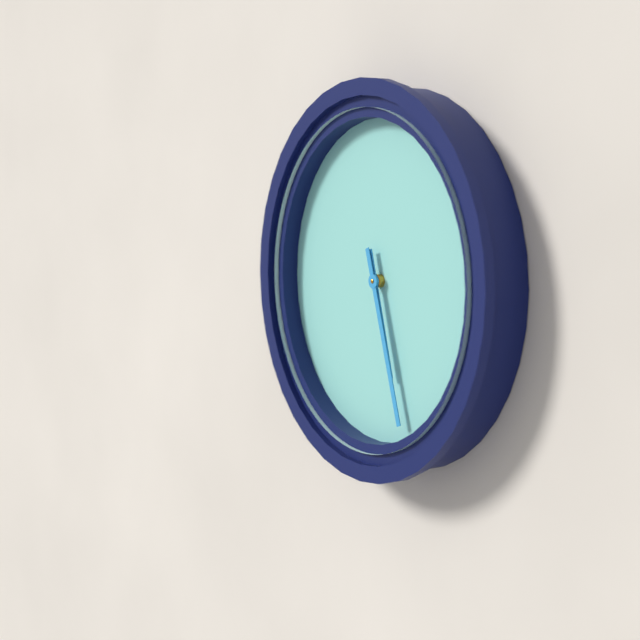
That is 5h27
